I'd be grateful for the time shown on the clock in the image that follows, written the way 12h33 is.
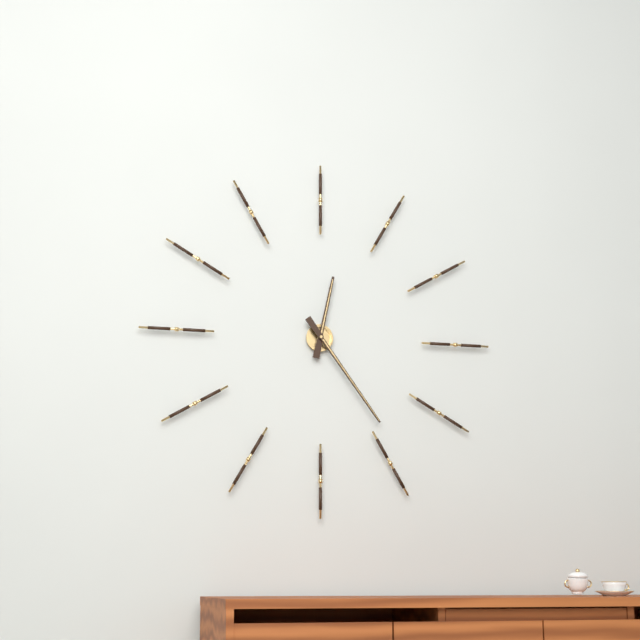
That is 12h24
